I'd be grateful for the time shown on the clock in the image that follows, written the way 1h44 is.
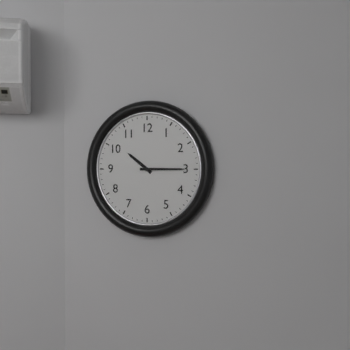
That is 10h15
